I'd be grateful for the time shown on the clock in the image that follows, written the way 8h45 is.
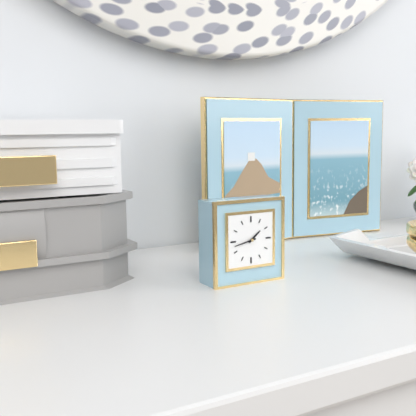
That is 1h43
